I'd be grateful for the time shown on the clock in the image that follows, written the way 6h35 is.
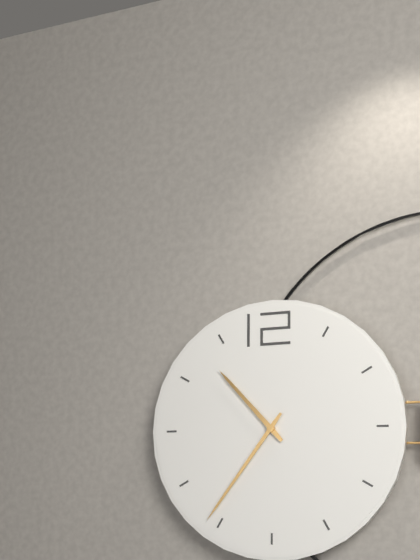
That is 10h36
